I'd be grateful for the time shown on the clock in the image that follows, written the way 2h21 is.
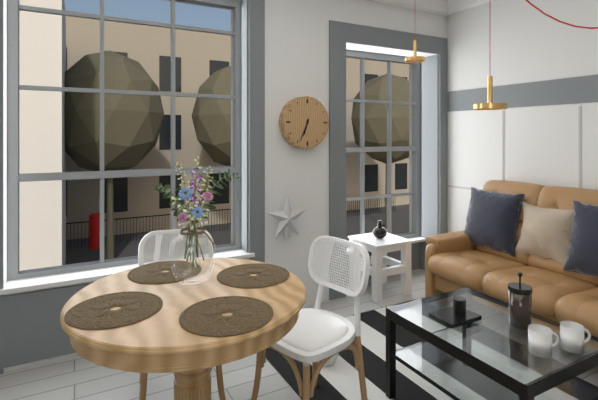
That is 6h34
